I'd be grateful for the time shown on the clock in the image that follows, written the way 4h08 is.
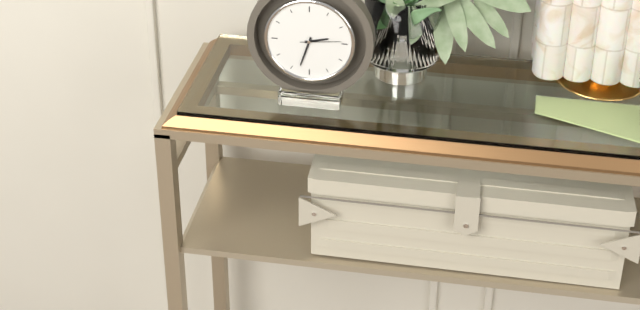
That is 2h33
